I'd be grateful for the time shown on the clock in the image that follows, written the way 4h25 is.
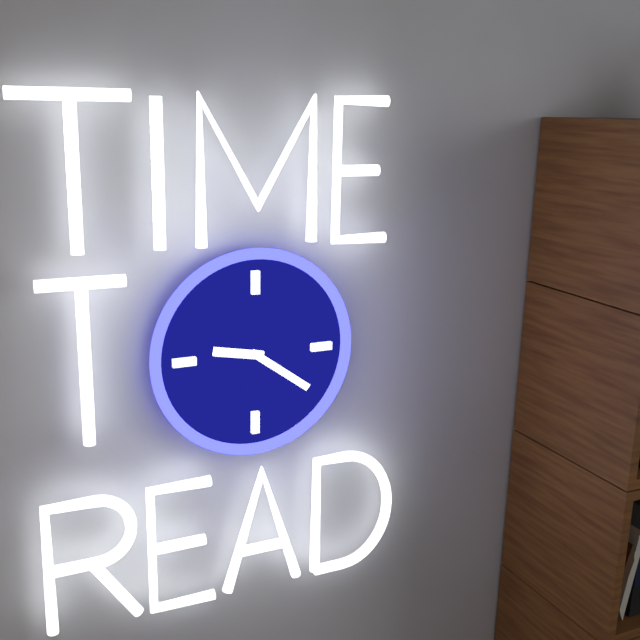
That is 9h21
